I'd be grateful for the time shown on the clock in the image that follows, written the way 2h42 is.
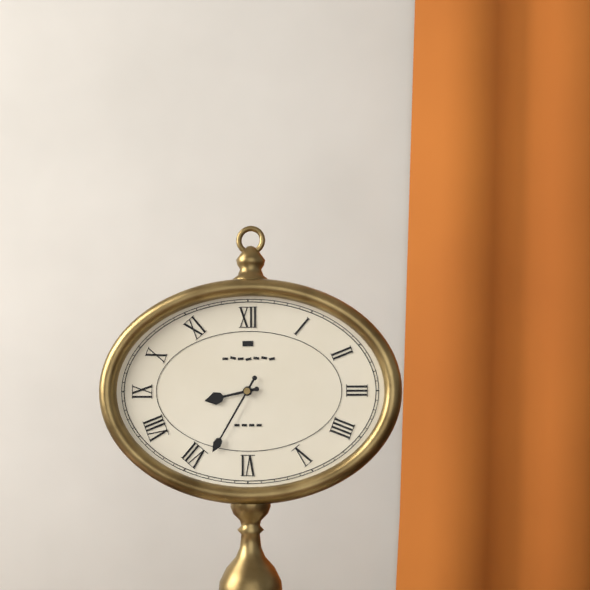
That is 8h35
